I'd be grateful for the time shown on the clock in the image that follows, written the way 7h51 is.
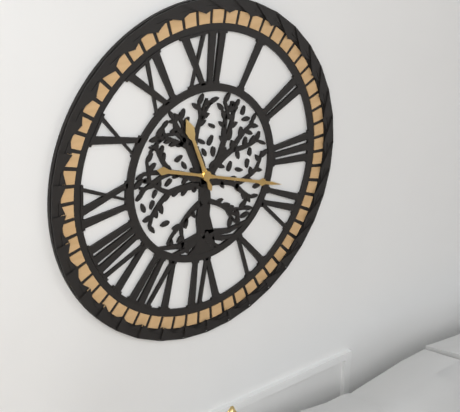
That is 11h18
